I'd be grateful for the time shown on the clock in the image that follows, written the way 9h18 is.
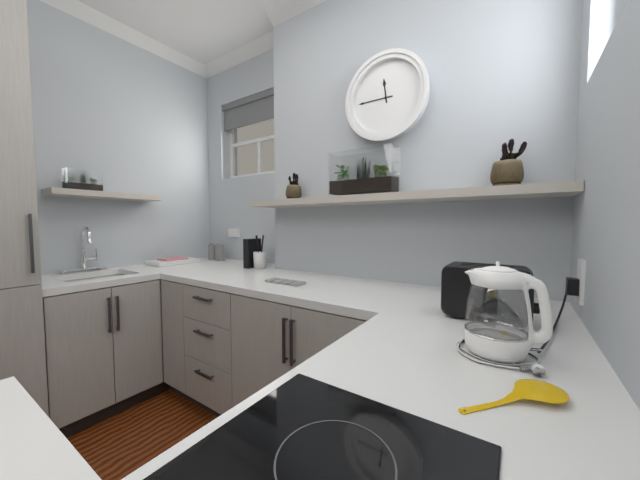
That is 11h45
